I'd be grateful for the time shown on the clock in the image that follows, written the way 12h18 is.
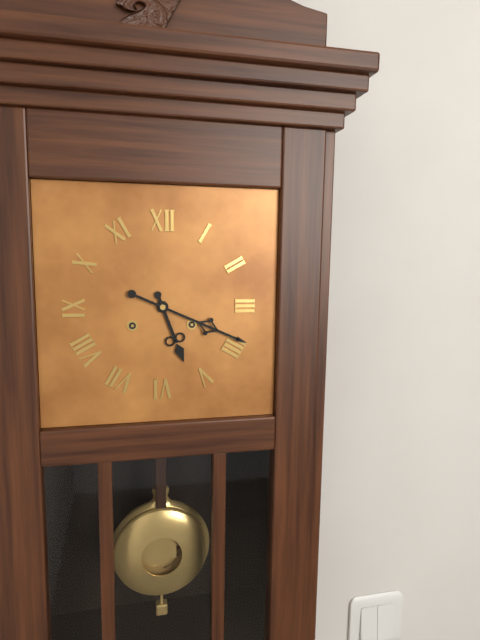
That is 5h19
